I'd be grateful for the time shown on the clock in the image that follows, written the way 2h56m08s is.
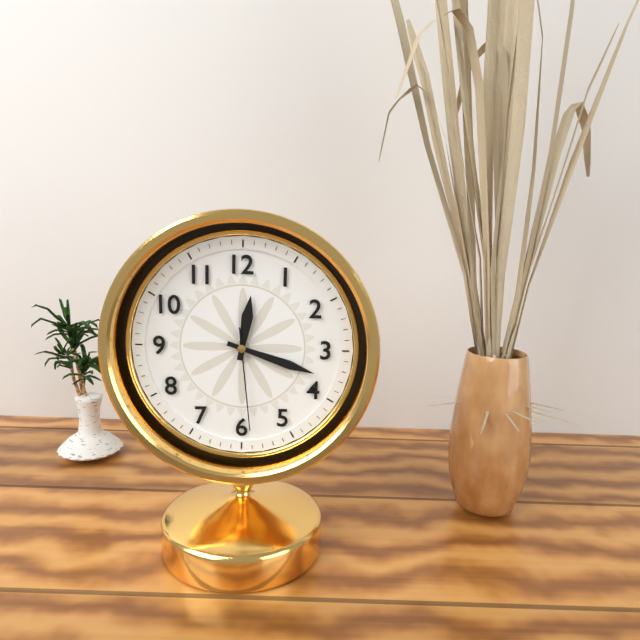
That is 12h18m29s
